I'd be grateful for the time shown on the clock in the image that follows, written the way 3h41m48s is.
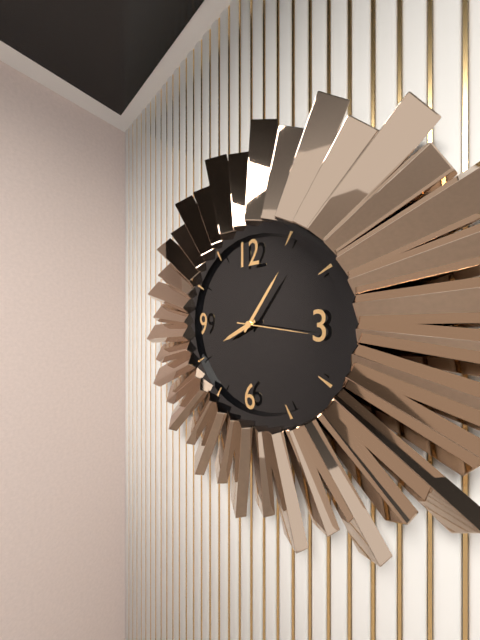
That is 8h06m16s
